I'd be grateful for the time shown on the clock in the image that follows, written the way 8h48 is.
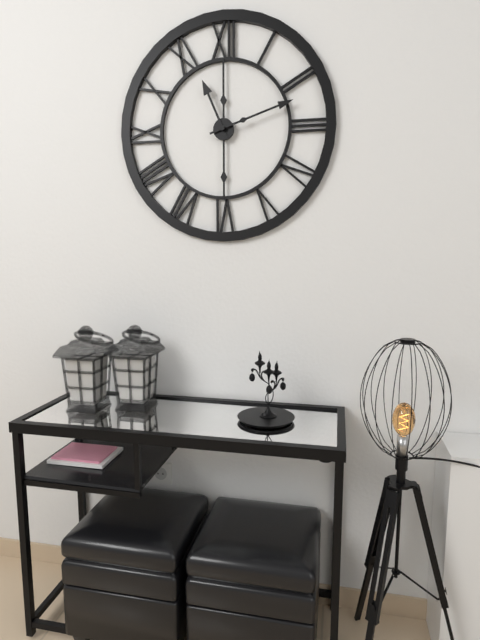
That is 11h12
